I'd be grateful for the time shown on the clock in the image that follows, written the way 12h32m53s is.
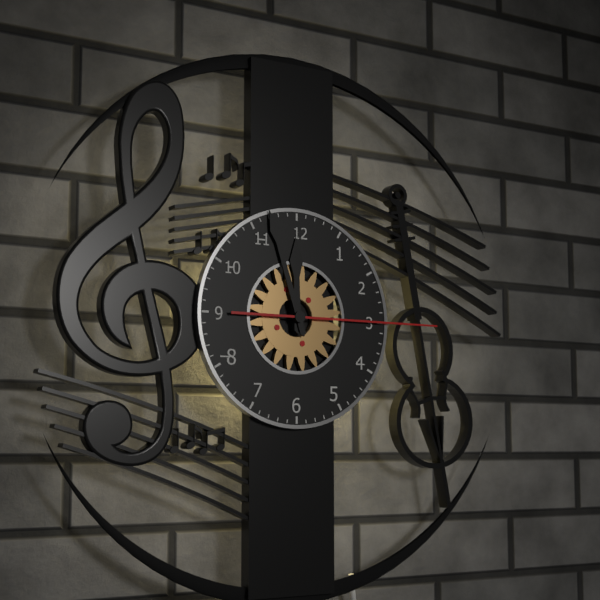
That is 11h57m15s
